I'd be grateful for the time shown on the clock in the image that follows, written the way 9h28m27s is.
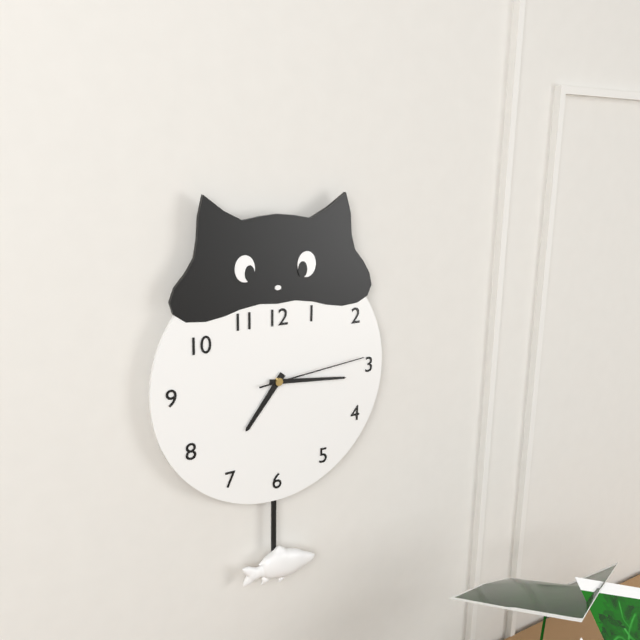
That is 7h16m14s
